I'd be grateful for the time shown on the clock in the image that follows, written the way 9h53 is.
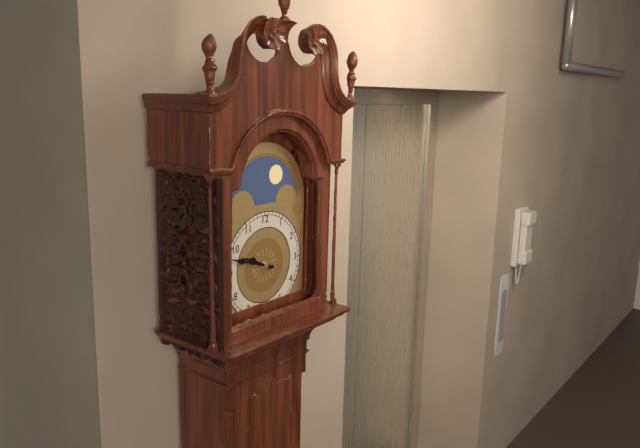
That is 9h48
